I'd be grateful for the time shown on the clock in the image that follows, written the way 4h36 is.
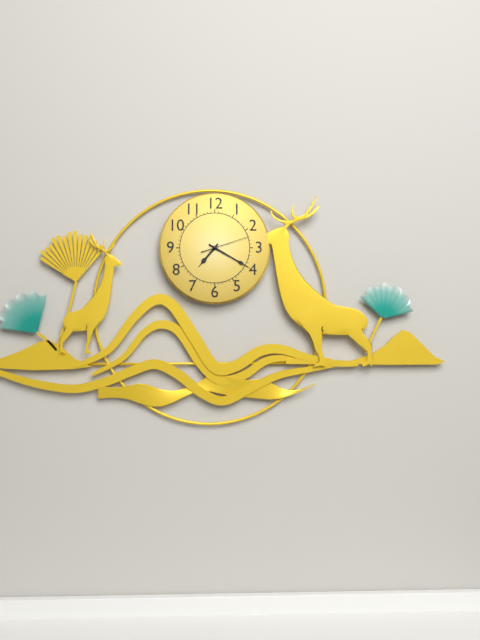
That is 7h20
